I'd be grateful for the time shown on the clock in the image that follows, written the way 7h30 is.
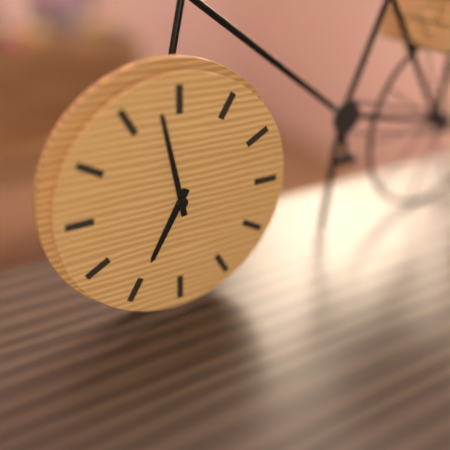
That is 6h58
